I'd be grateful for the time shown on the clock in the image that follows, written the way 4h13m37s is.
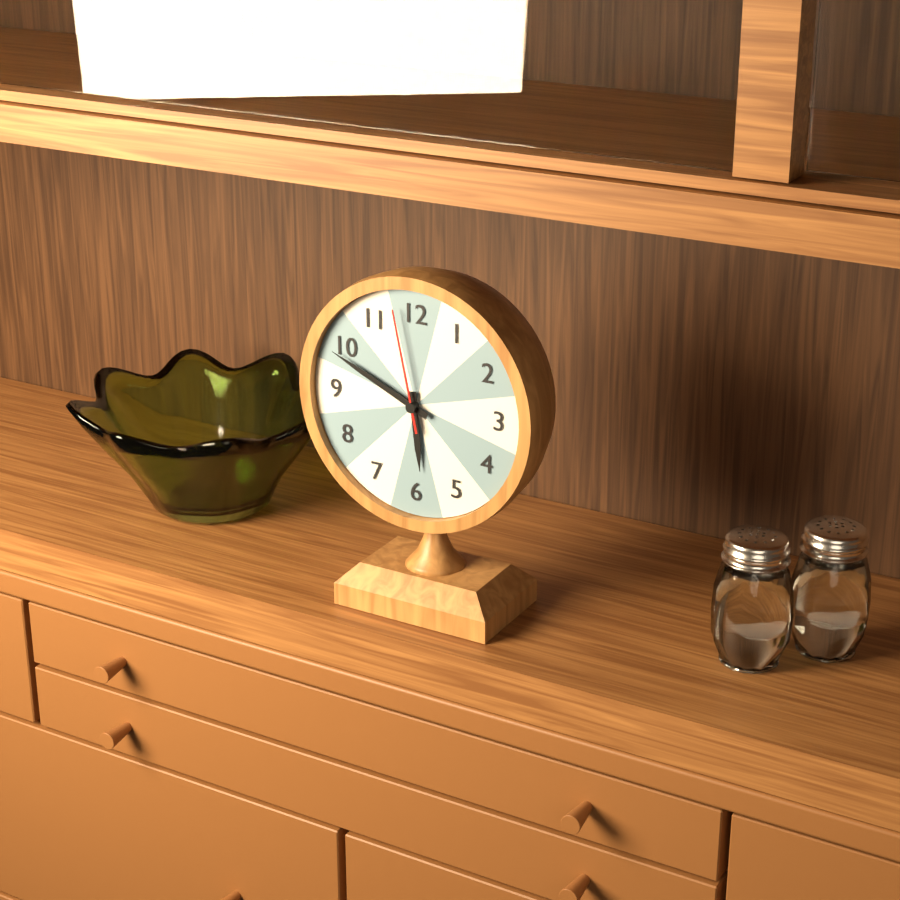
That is 5h49m58s
